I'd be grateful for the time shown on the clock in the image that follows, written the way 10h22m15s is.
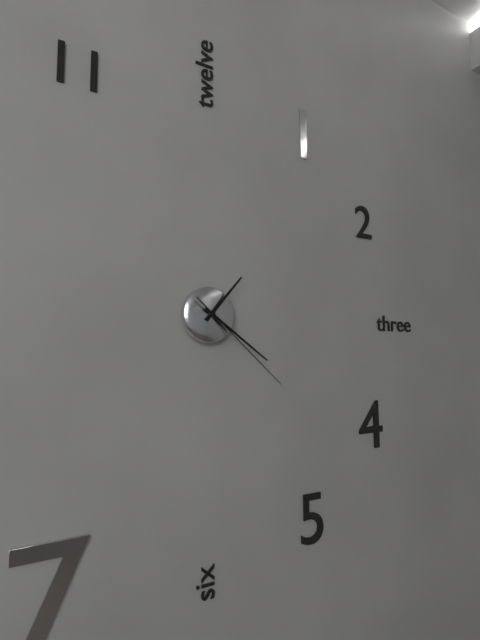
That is 1h21m22s
